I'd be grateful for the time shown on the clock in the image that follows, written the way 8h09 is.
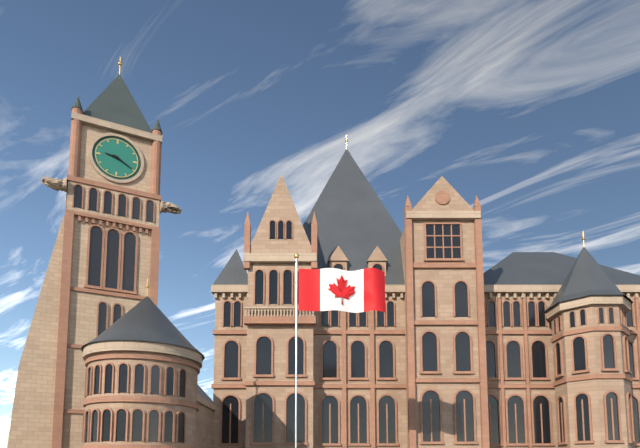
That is 9h20
